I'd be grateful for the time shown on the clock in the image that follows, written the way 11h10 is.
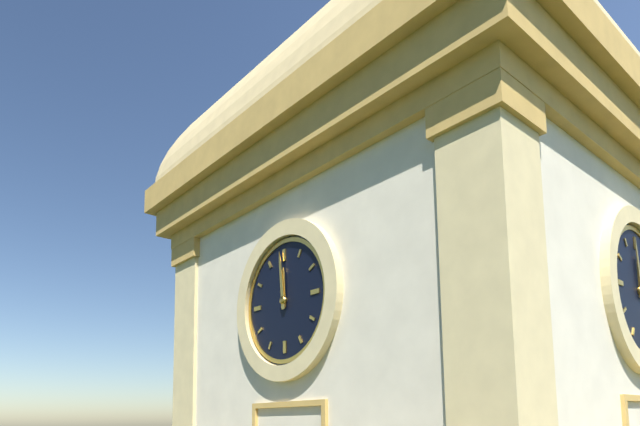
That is 11h59
